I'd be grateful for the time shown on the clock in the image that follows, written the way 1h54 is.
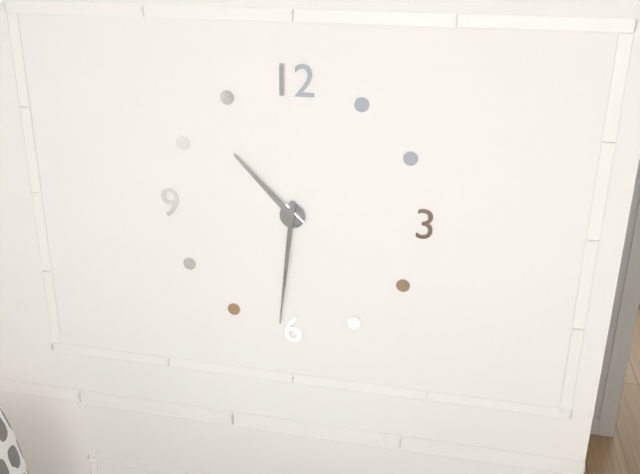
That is 10h31
